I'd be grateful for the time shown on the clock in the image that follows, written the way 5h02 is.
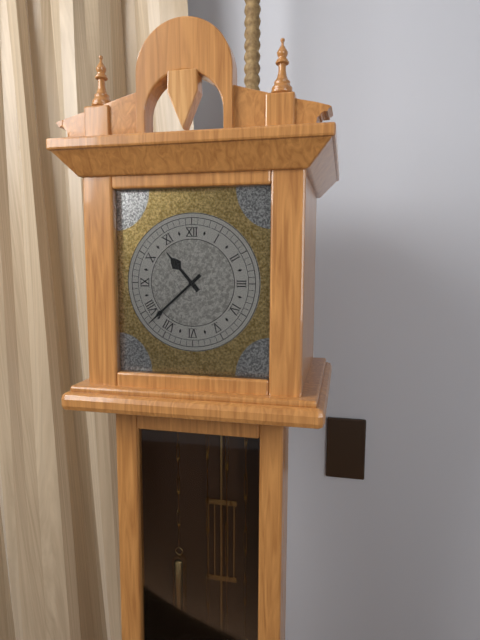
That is 10h38
